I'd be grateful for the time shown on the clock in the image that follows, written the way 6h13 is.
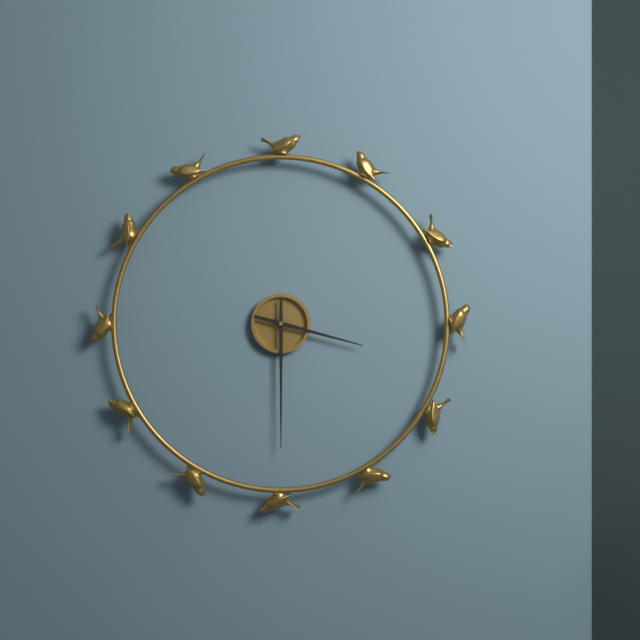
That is 3h30
